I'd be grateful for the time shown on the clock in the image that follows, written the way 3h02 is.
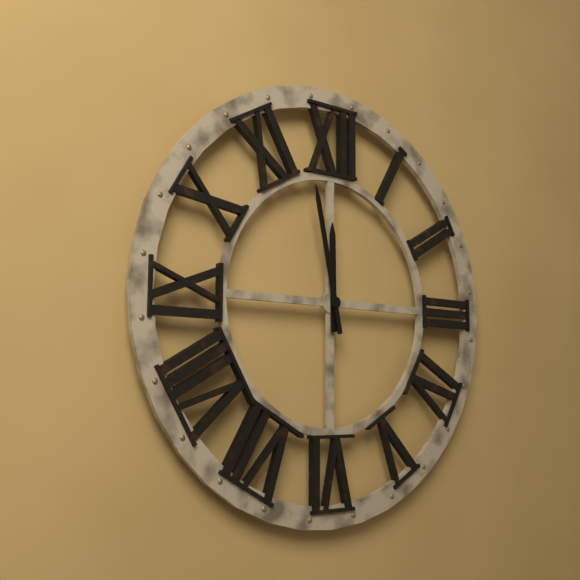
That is 11h58
